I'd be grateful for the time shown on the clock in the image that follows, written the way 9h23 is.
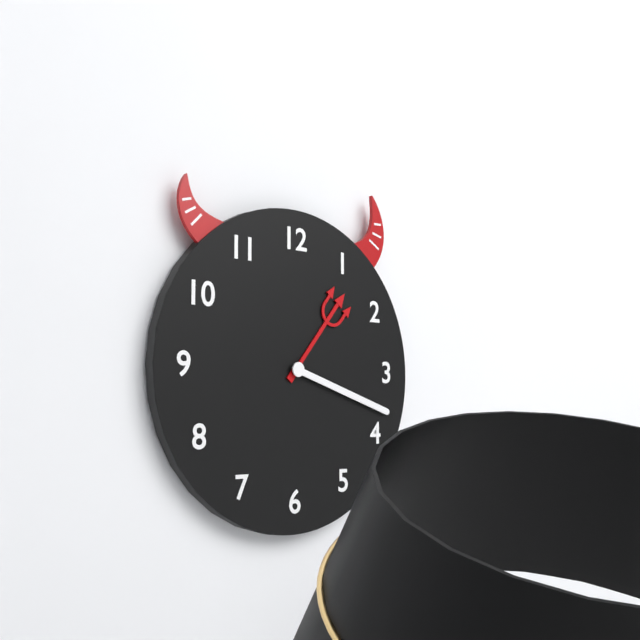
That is 1h18
